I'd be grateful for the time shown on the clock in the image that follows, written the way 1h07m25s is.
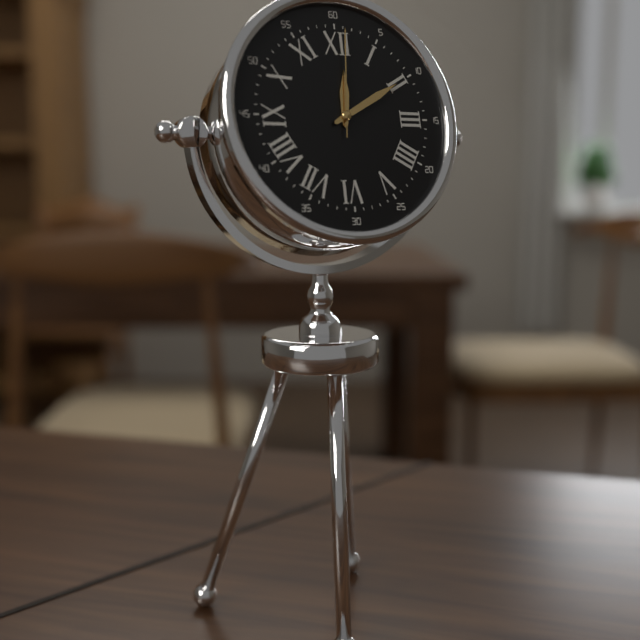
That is 12h10m01s
